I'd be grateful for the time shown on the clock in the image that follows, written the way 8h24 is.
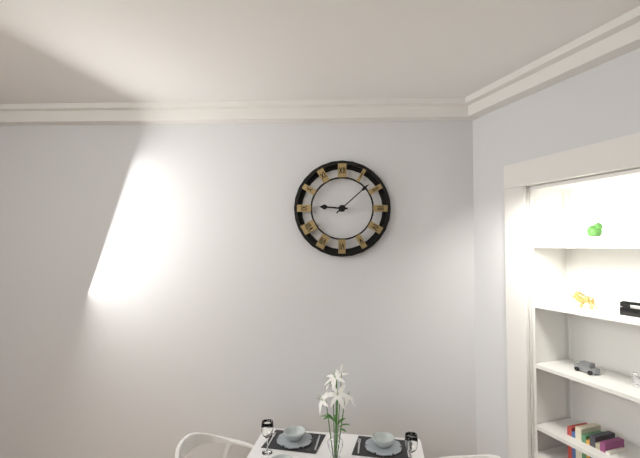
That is 9h08
